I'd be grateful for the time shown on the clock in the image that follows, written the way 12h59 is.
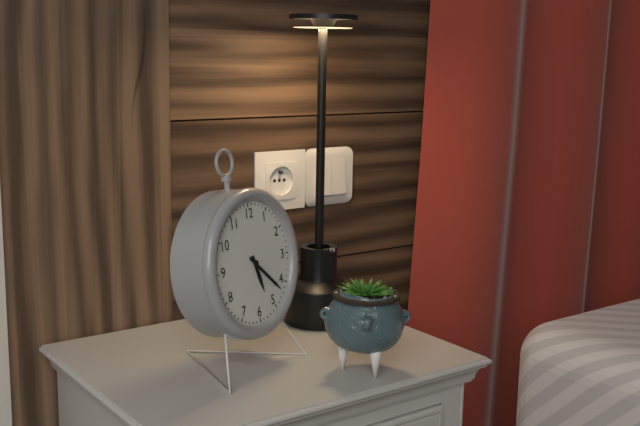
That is 5h22
